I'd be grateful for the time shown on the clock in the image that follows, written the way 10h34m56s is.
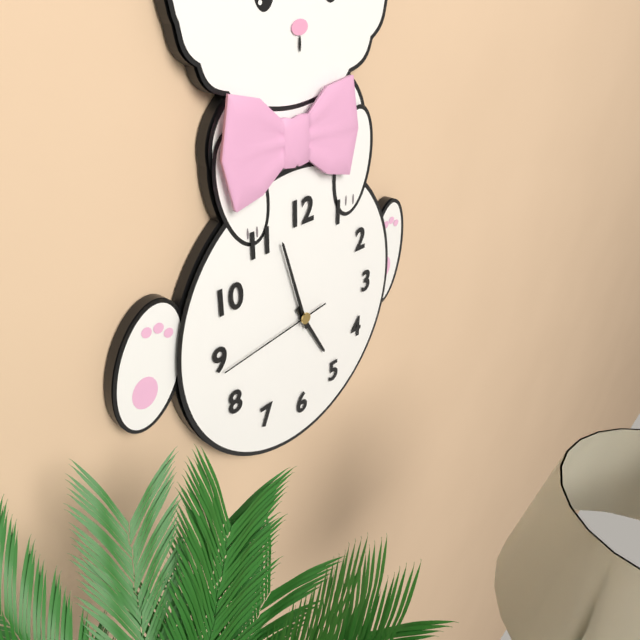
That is 4h57m44s
